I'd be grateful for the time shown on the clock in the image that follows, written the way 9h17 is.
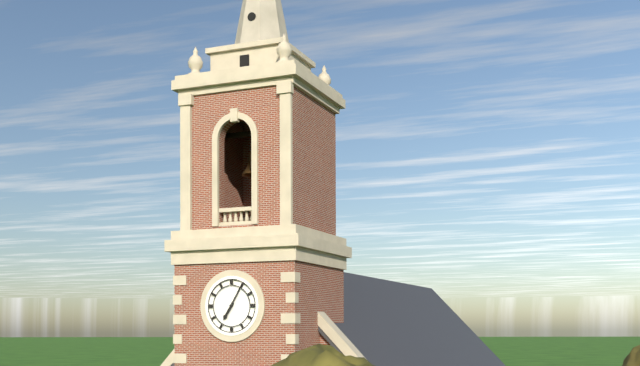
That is 7h05
